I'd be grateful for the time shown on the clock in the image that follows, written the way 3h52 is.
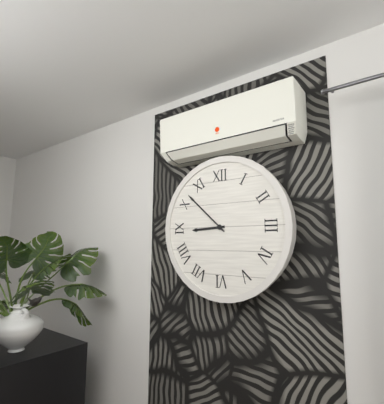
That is 8h52
